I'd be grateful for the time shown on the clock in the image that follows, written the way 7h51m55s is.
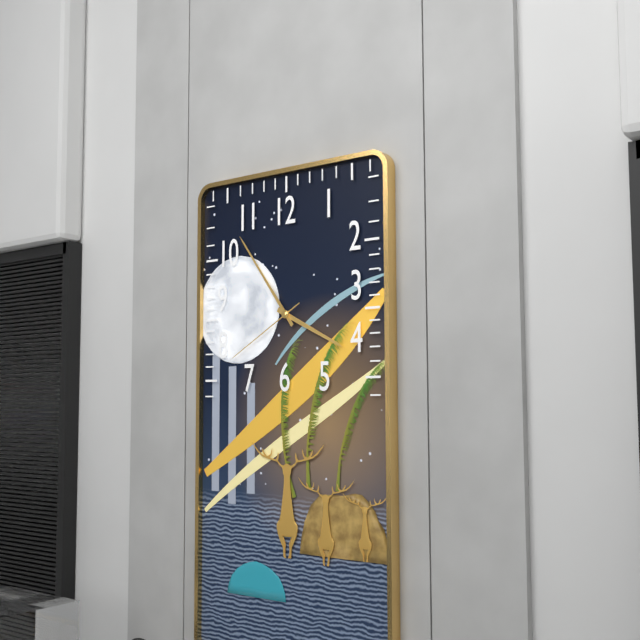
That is 3h54m40s
